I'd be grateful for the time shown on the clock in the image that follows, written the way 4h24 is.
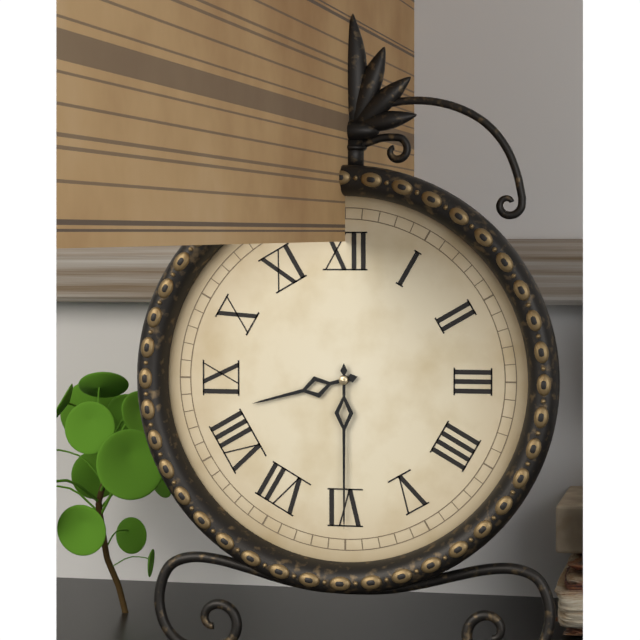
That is 8h30
